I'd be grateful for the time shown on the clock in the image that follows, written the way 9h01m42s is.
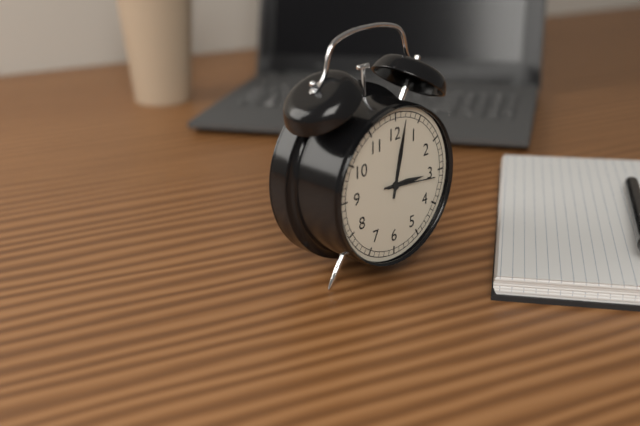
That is 3h02m16s
